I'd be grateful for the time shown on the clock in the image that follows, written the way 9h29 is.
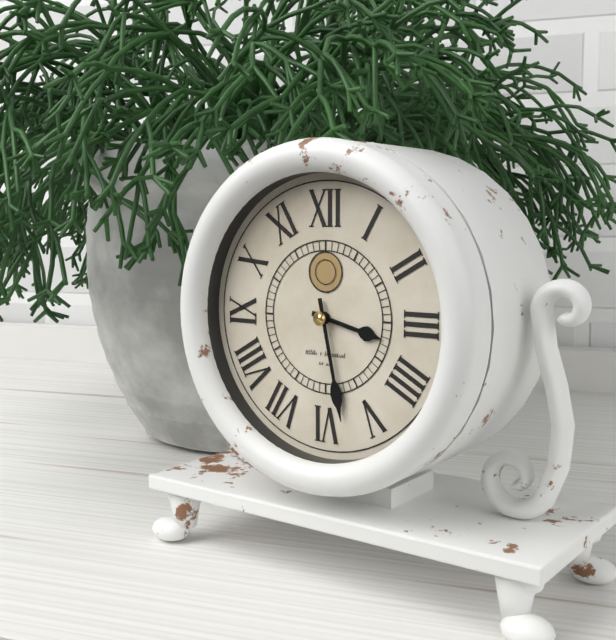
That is 3h28
